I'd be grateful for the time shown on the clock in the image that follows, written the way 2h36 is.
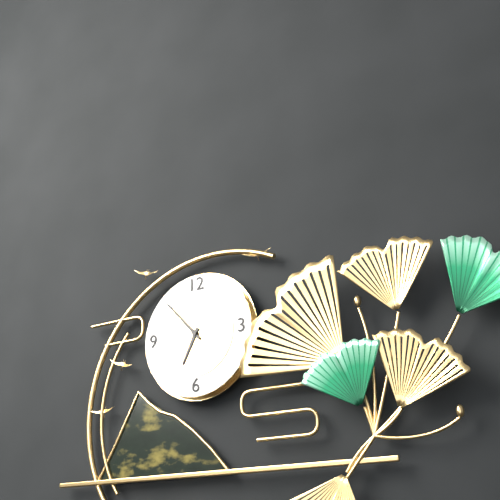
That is 6h53
